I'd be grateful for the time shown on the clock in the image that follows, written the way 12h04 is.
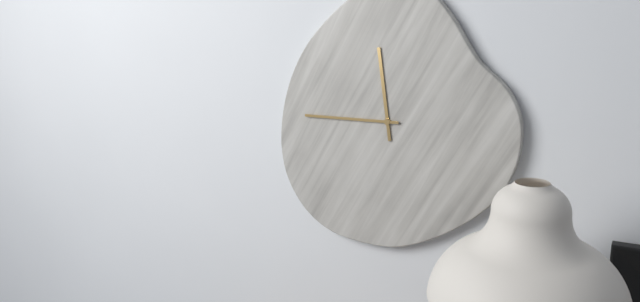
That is 11h45
